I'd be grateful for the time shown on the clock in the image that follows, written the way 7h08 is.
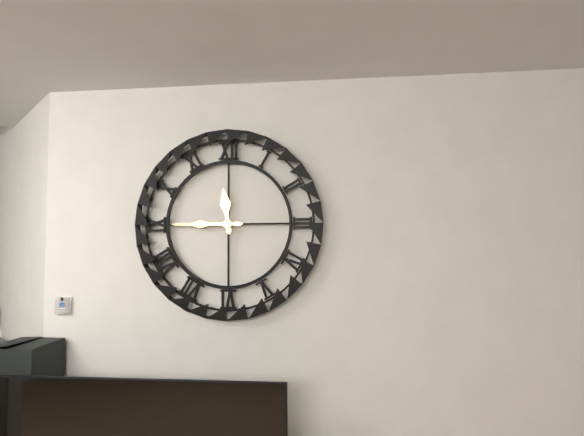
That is 11h45
